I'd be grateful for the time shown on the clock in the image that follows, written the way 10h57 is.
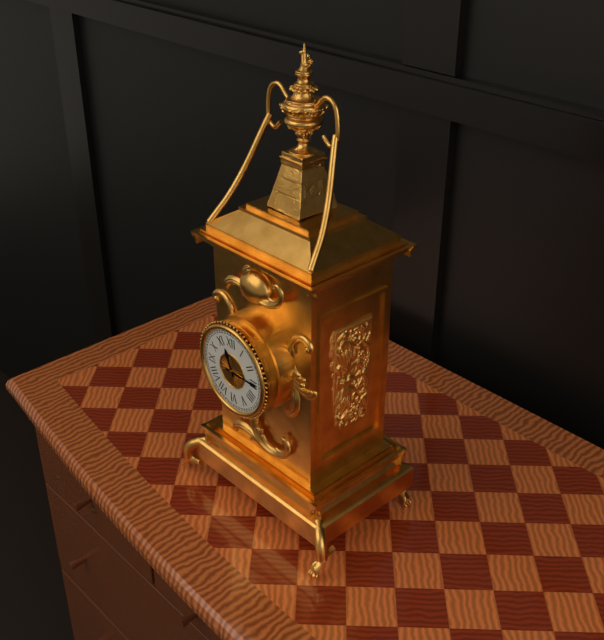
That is 11h15
